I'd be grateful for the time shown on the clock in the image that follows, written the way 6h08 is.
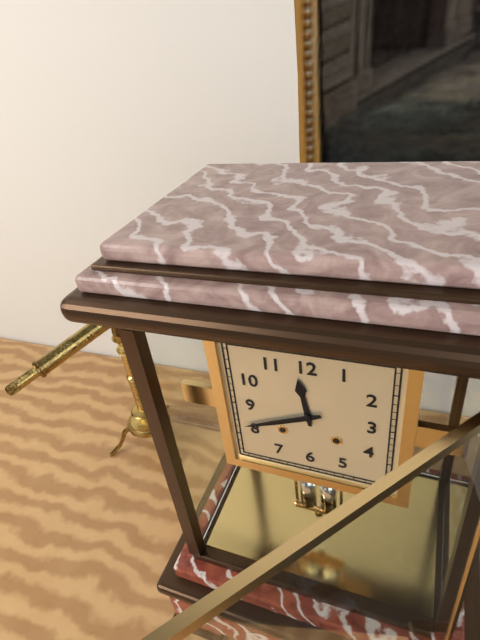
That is 11h41
